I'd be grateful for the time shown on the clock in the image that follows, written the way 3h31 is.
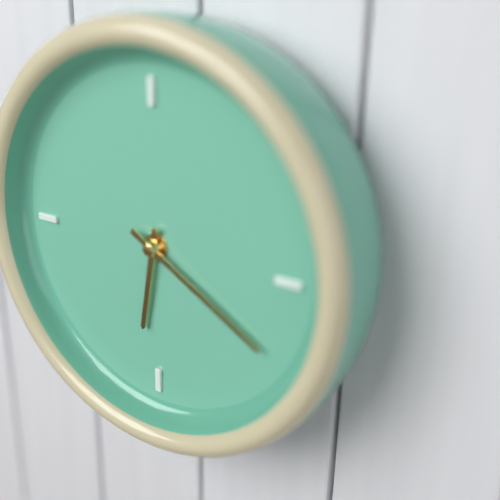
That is 6h20
